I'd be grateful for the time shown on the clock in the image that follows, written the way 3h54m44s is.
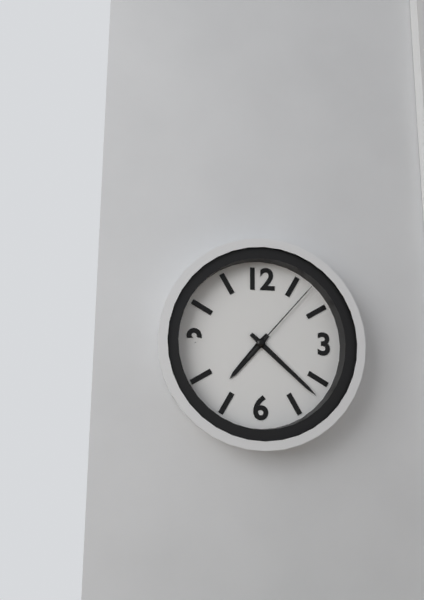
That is 7h22m07s
